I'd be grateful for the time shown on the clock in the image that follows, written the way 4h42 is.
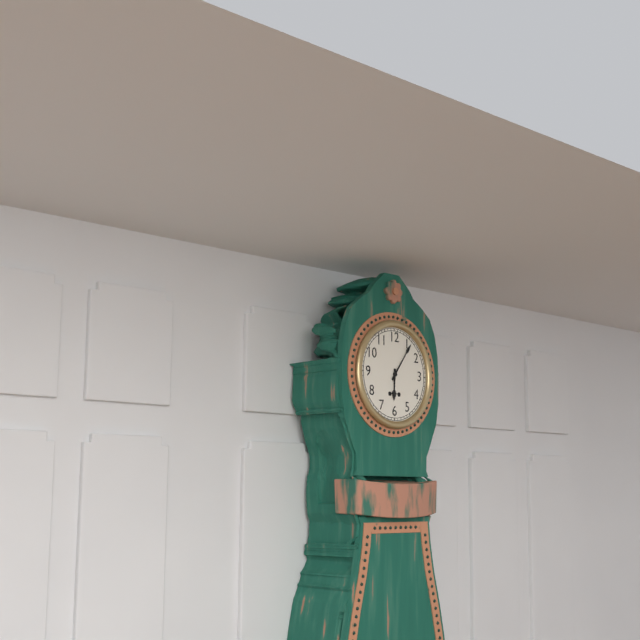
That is 6h06
